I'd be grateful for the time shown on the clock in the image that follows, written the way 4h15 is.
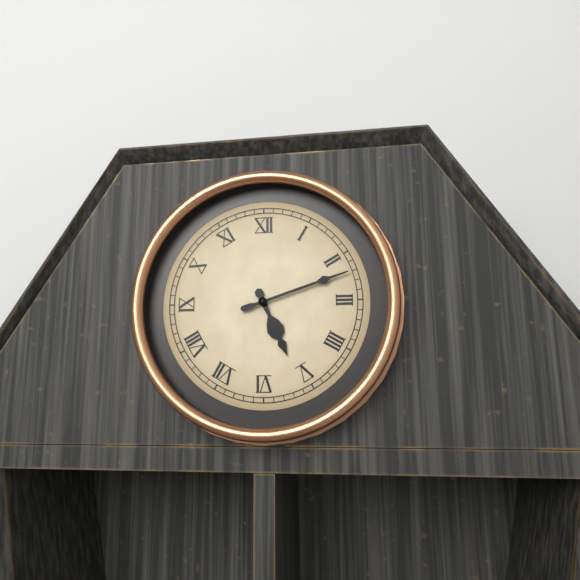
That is 5h12
